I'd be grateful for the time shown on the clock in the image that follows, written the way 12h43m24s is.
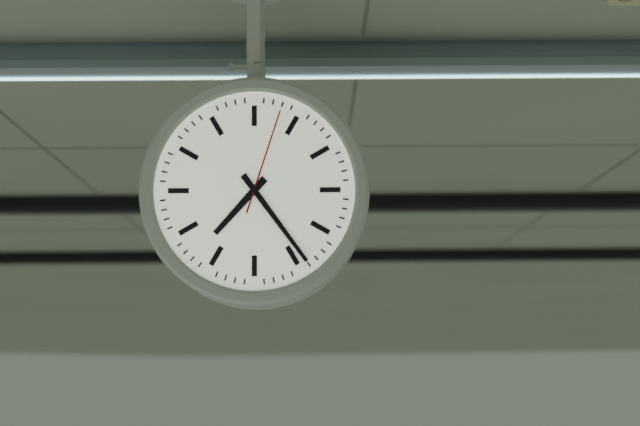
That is 7h24m03s
